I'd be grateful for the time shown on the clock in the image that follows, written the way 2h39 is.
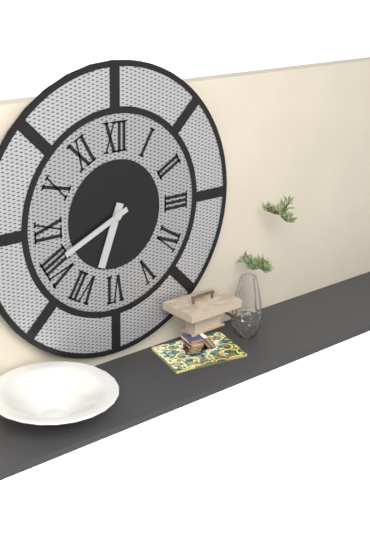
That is 6h41
